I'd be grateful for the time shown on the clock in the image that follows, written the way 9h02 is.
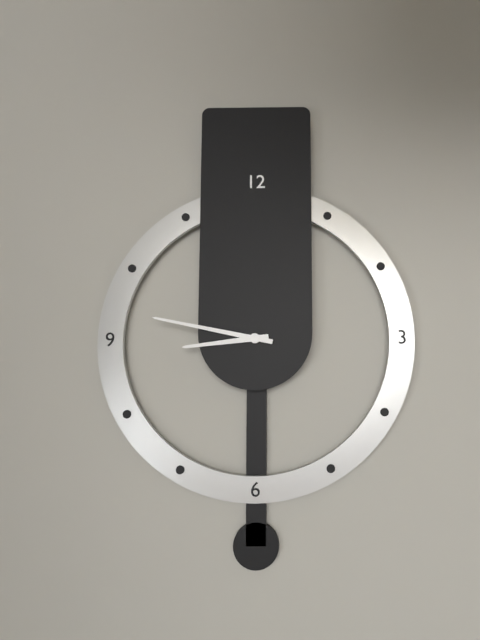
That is 8h47
